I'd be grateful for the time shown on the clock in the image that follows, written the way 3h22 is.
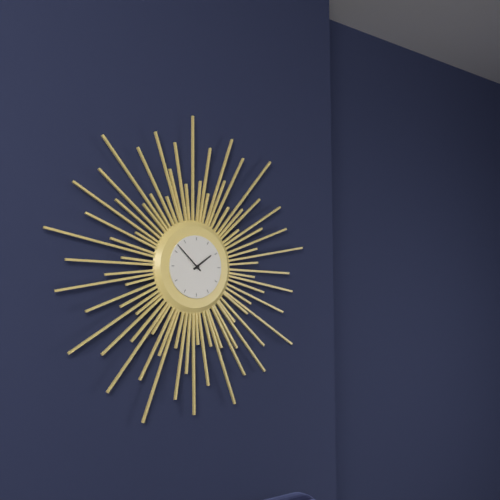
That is 1h52
